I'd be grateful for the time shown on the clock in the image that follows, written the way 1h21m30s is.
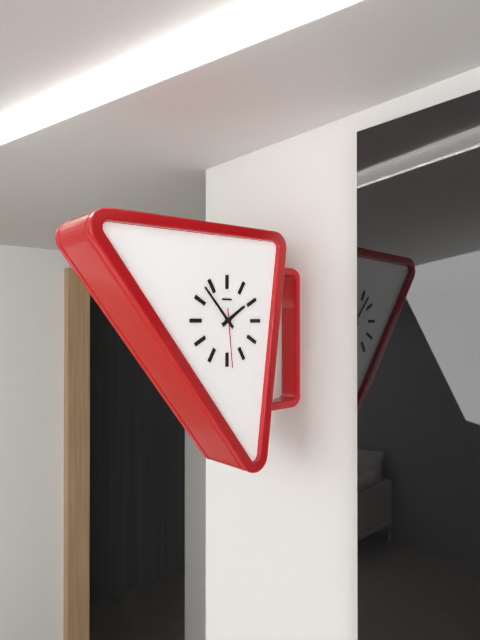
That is 1h53m29s
